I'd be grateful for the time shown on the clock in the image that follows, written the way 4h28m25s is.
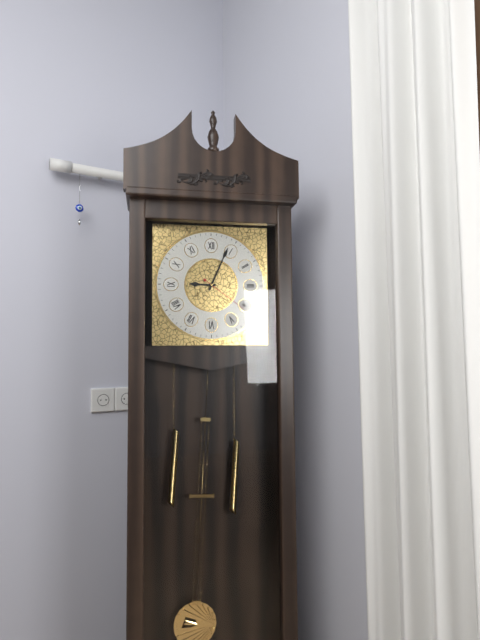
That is 9h04m21s
